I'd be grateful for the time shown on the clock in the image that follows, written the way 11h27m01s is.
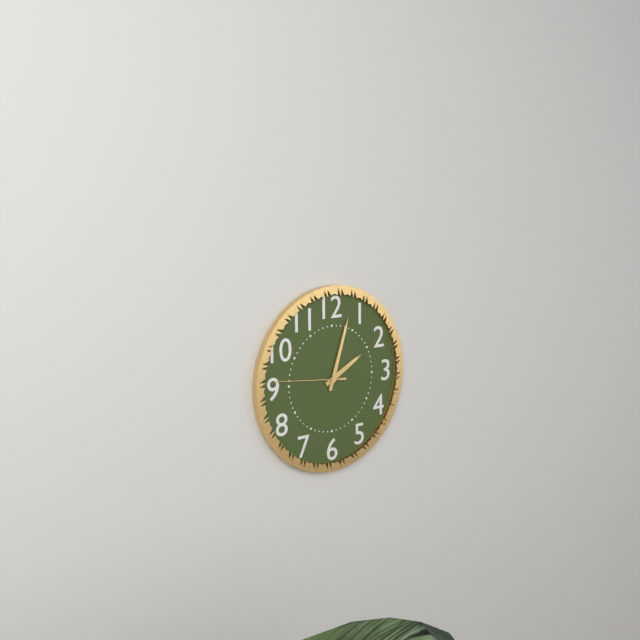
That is 2h03m46s
